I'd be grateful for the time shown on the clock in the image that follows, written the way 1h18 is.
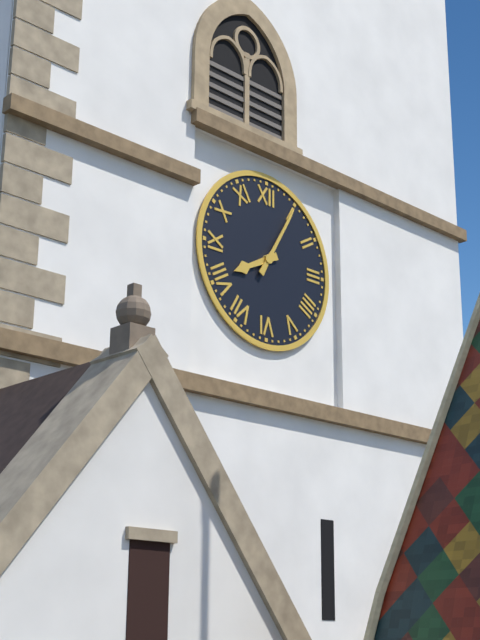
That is 8h05
